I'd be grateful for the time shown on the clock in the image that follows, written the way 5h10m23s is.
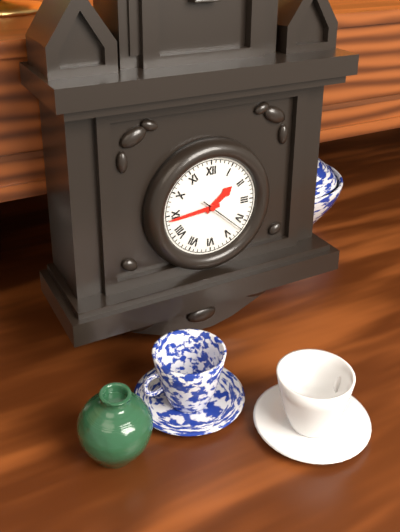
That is 1h44m22s
